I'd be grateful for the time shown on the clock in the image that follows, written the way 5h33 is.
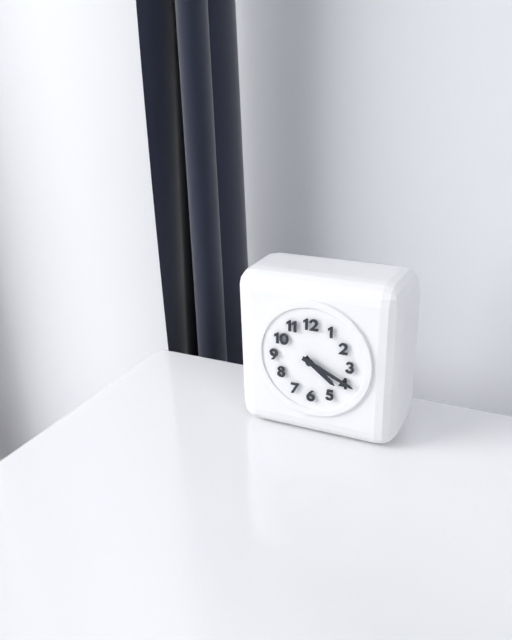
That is 4h19
